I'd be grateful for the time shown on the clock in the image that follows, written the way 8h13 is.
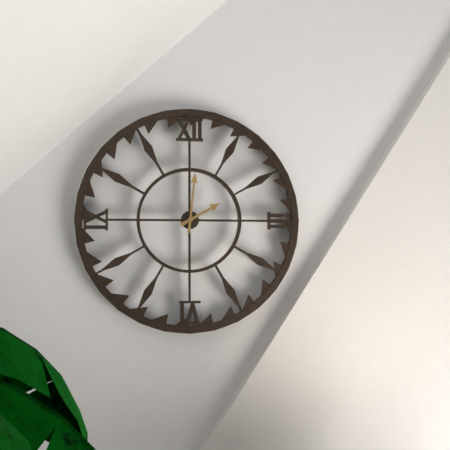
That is 2h01
